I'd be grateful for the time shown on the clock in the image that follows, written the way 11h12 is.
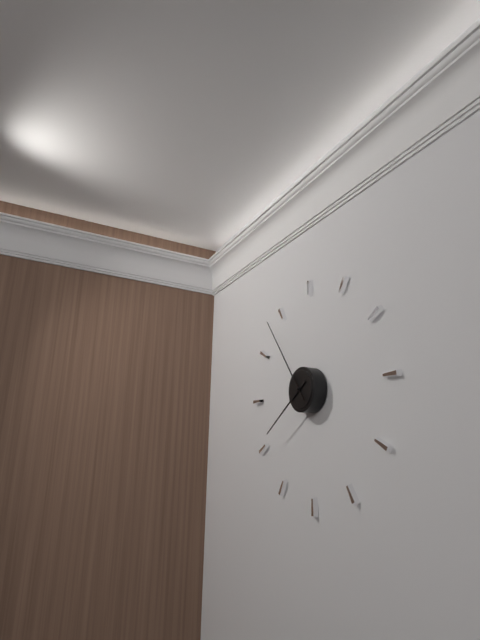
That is 7h54
